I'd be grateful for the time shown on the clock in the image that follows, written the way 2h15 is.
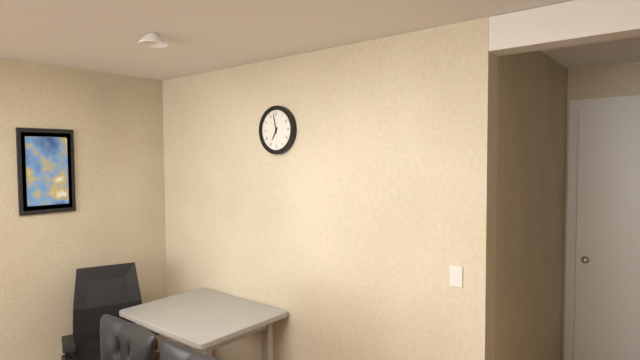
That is 6h58
